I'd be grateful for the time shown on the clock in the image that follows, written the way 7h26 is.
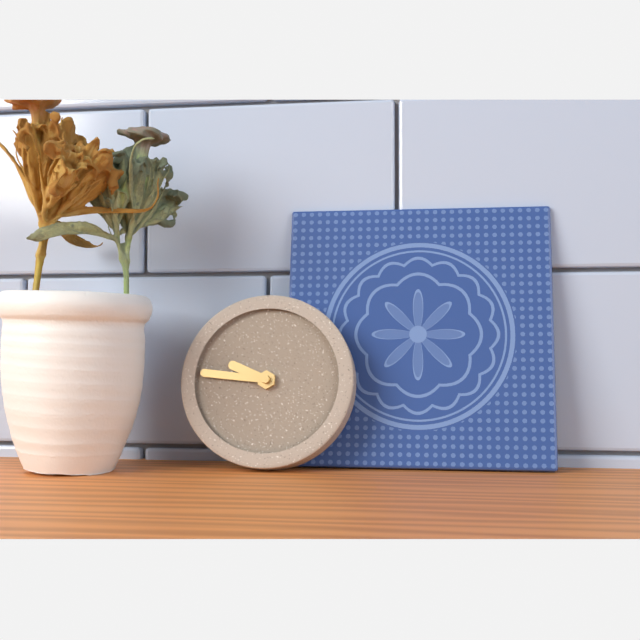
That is 9h46
